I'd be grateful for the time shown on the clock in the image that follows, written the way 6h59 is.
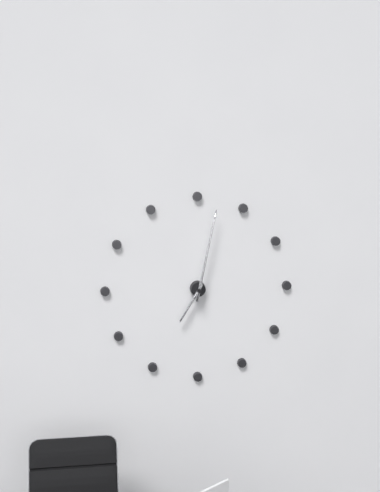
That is 7h02
